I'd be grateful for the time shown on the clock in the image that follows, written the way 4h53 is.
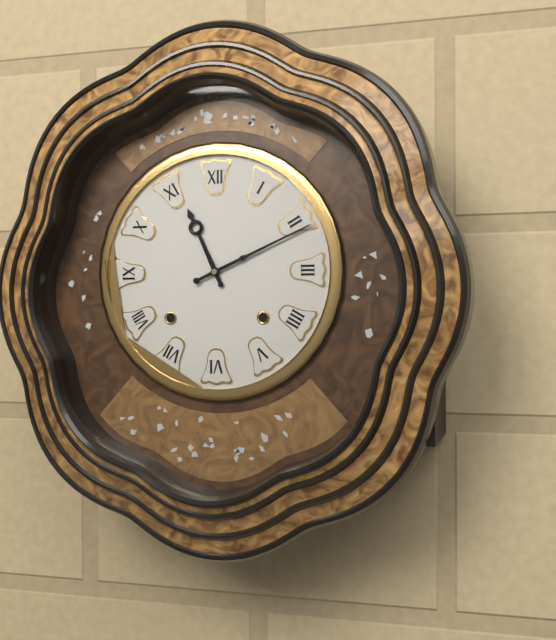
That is 11h11
